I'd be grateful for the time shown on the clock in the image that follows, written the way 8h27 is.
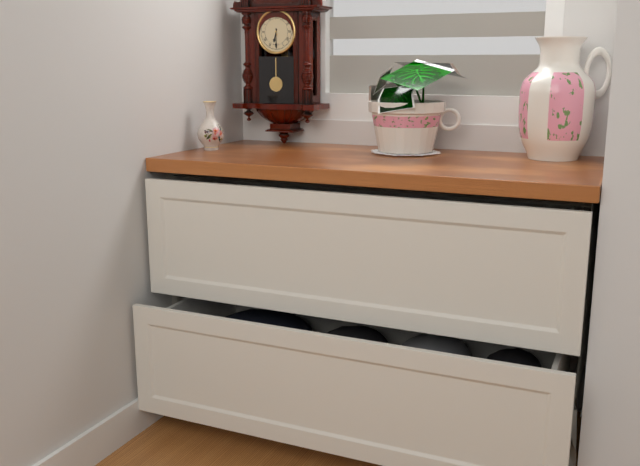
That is 6h30
